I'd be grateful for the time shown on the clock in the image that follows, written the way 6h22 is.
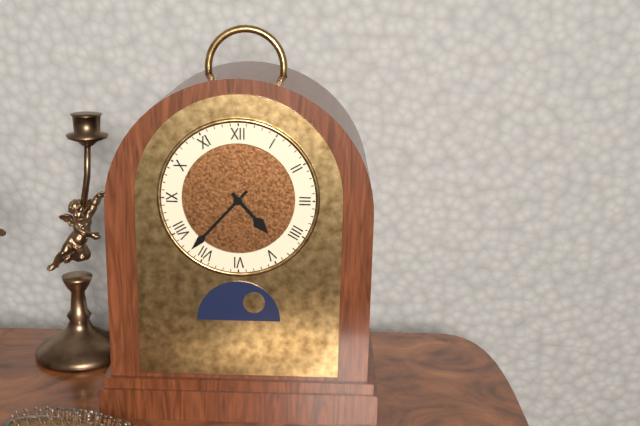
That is 4h37
